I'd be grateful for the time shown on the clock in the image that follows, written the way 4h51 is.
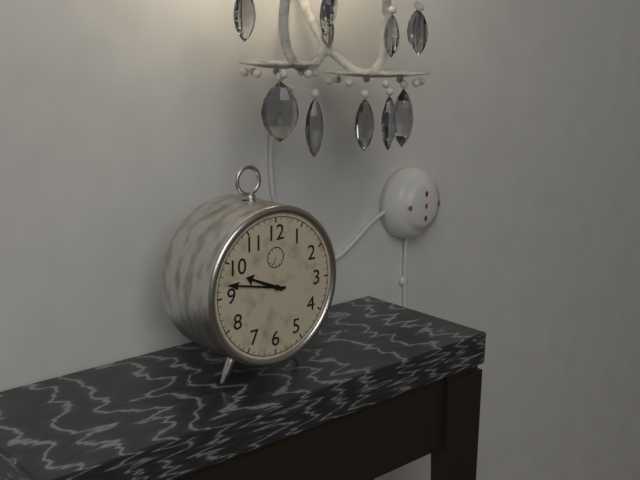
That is 9h47
